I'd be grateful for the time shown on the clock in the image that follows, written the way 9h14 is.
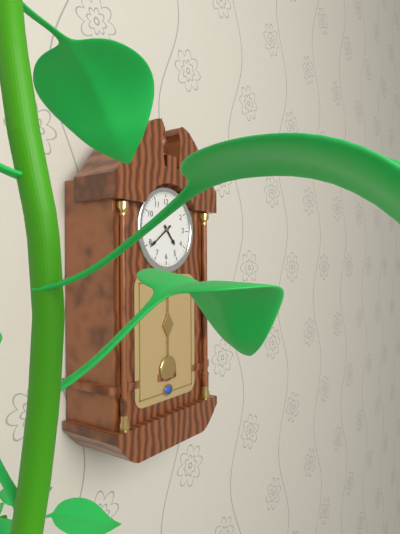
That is 4h39
